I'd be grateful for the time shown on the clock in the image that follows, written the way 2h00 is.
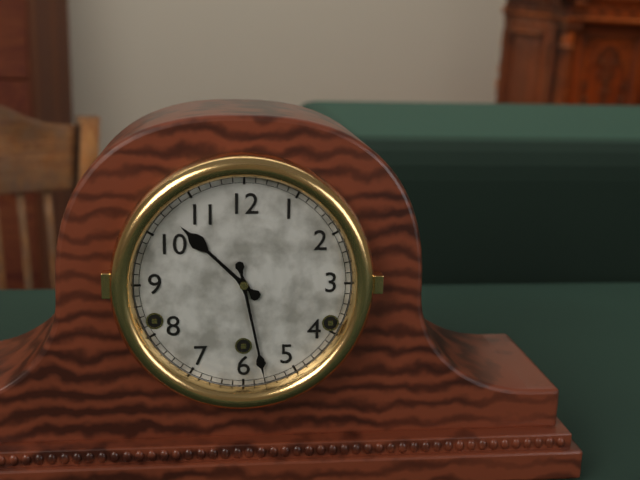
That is 10h28
